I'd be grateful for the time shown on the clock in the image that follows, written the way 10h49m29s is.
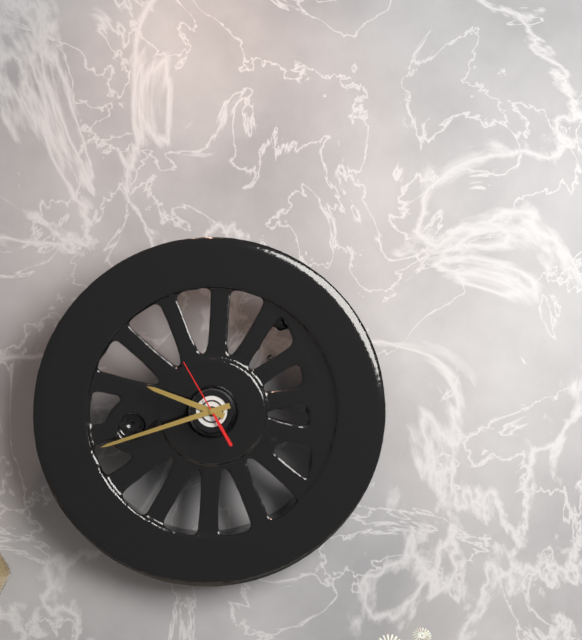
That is 9h42m55s
